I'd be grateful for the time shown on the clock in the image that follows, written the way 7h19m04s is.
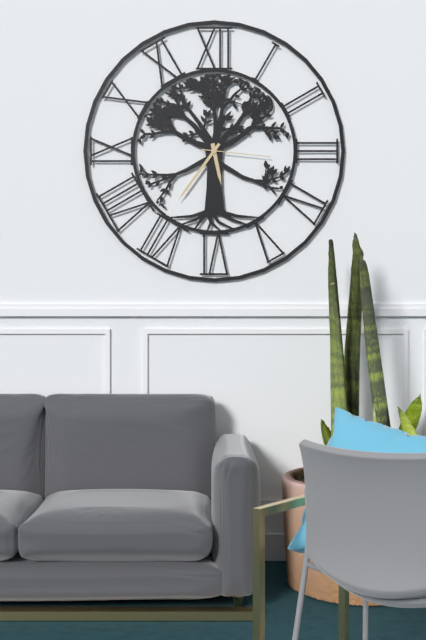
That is 5h36m16s
